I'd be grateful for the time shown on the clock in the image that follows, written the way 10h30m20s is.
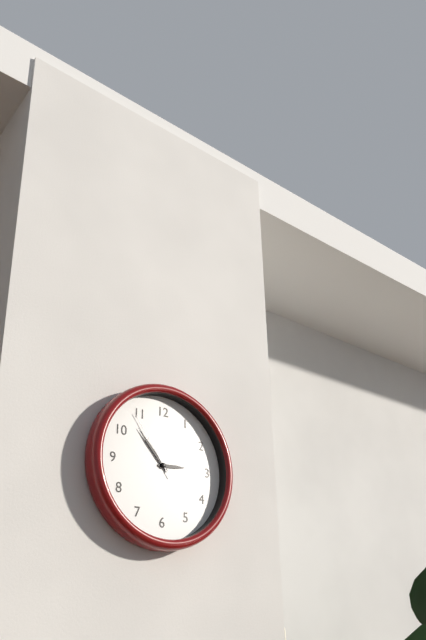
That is 2h53m54s
